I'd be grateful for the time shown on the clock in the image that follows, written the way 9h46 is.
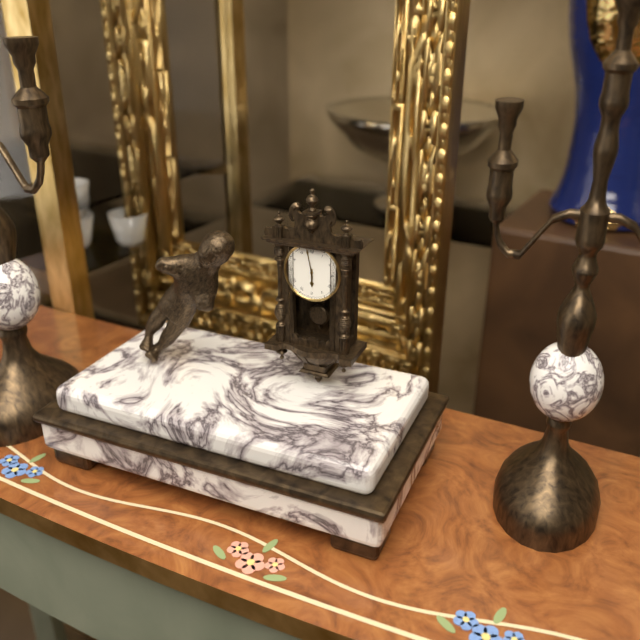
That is 5h58
